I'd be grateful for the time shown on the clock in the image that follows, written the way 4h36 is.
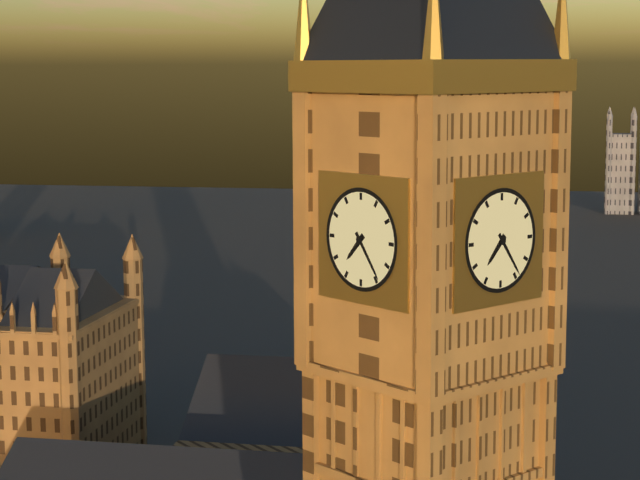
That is 7h24
